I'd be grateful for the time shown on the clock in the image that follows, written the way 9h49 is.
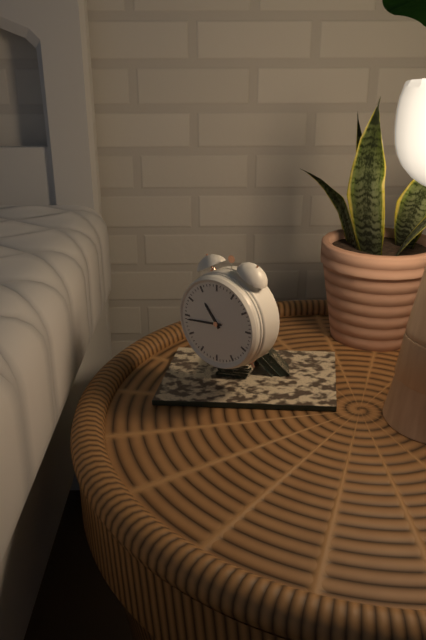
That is 10h44
